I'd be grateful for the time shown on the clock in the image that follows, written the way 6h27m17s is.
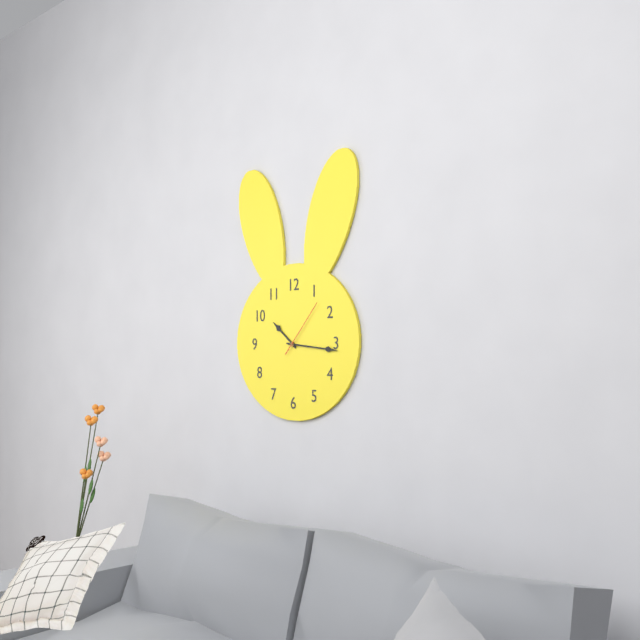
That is 10h16m07s
